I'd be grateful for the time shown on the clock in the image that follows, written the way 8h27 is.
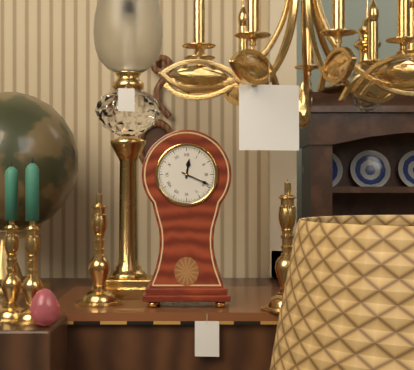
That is 12h19
